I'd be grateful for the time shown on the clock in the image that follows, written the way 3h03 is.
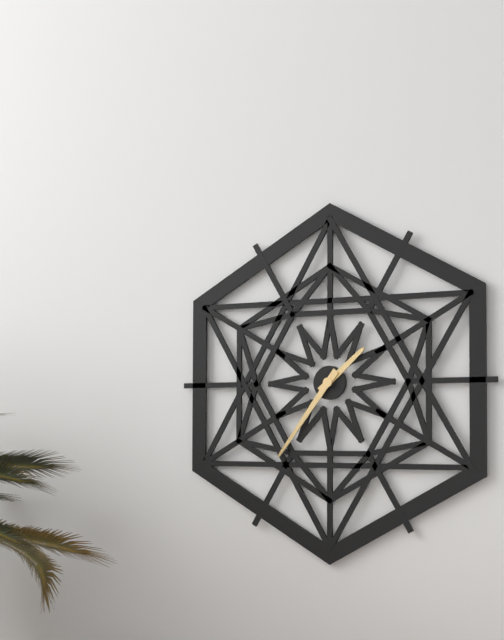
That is 1h36
